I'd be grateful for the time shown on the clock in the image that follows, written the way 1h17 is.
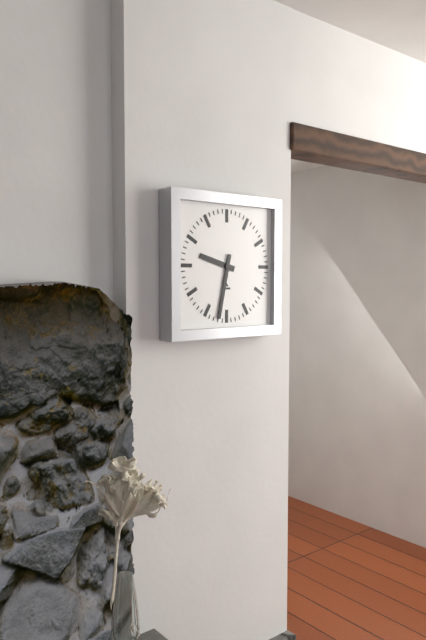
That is 9h32
